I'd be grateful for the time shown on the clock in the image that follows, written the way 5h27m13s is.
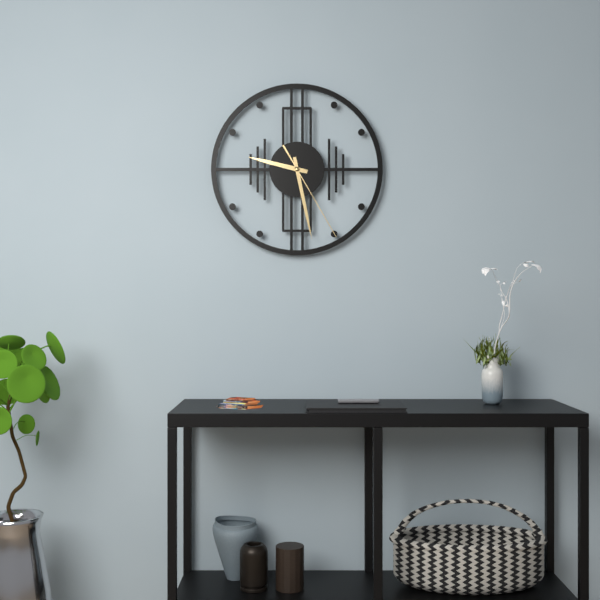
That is 9h28m25s
